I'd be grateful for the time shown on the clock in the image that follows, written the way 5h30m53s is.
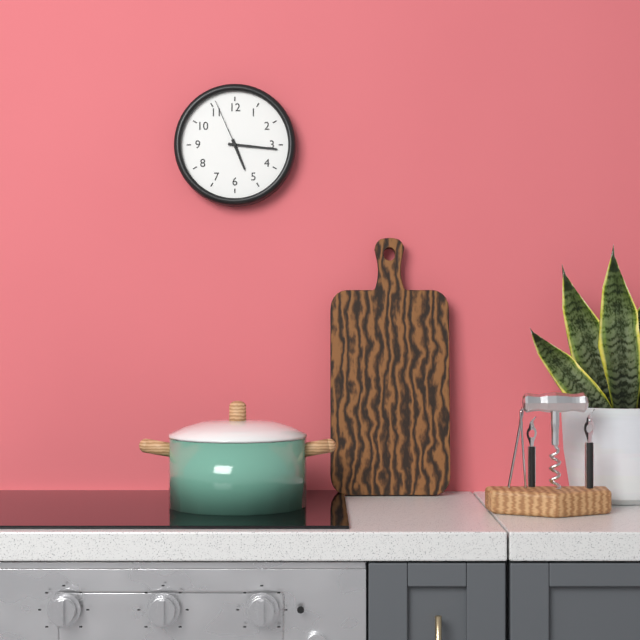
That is 5h16m56s
